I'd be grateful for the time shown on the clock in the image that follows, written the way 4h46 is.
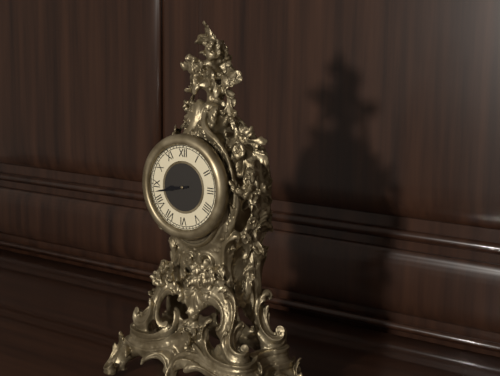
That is 8h43
